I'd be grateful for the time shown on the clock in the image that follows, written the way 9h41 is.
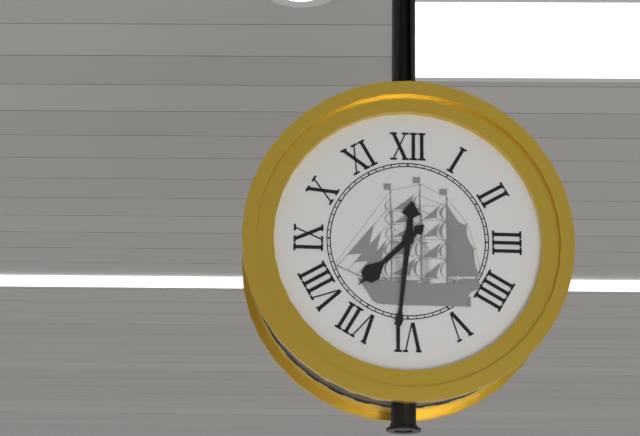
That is 7h31
